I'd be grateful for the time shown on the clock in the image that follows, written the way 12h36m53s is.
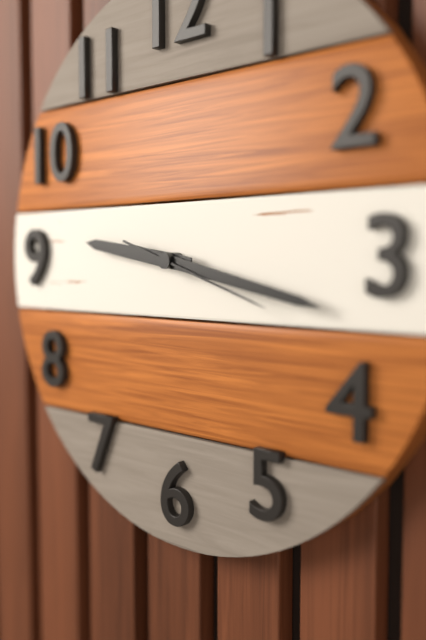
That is 9h17m18s
